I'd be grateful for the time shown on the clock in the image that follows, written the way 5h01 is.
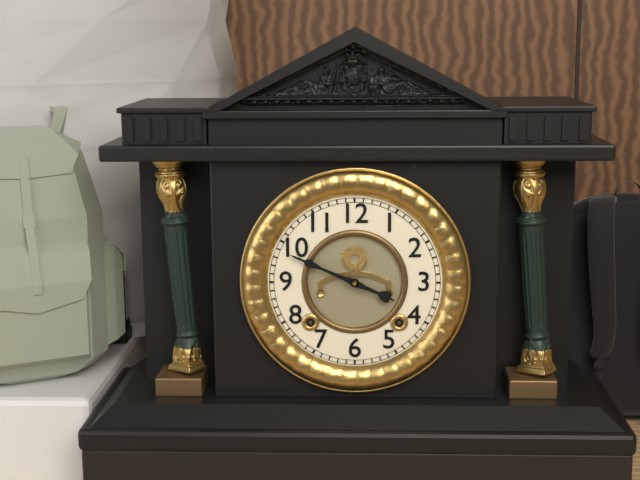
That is 3h49
